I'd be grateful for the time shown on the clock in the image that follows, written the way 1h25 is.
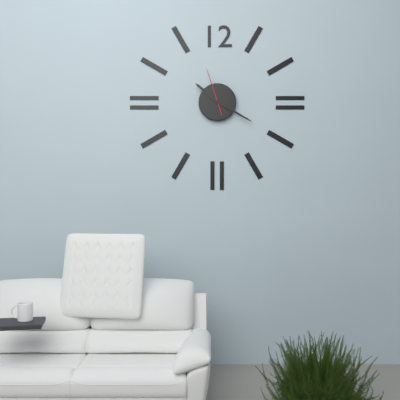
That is 10h20
